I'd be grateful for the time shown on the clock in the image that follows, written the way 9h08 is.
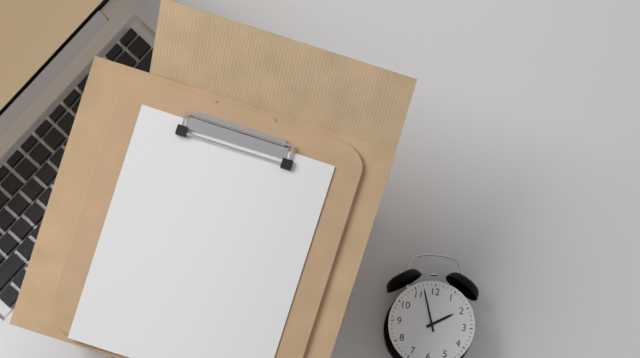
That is 1h57
